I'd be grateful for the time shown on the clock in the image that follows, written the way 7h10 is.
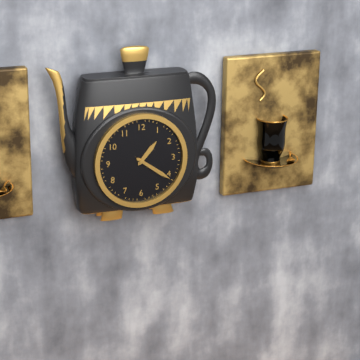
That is 1h21
